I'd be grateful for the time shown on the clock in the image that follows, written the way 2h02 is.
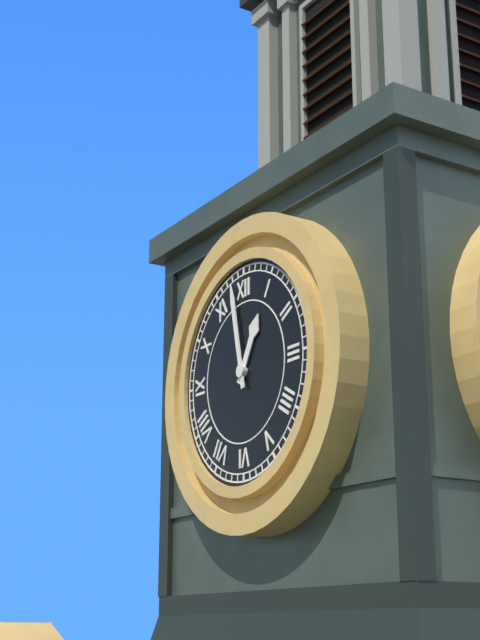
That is 12h58
